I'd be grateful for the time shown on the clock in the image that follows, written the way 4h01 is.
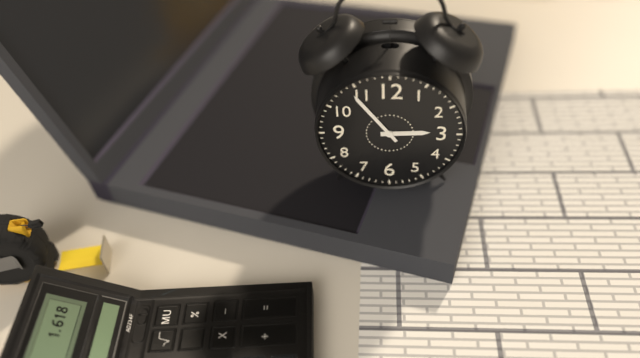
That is 2h54
